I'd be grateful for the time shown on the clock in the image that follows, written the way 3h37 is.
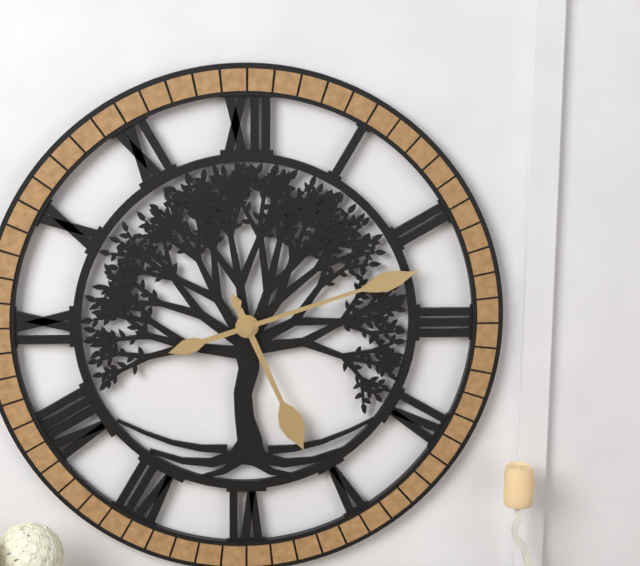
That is 5h12
